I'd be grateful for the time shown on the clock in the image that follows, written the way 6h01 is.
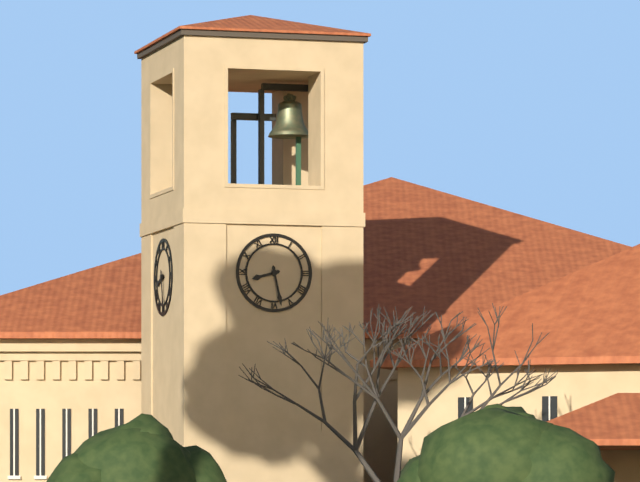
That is 8h28
